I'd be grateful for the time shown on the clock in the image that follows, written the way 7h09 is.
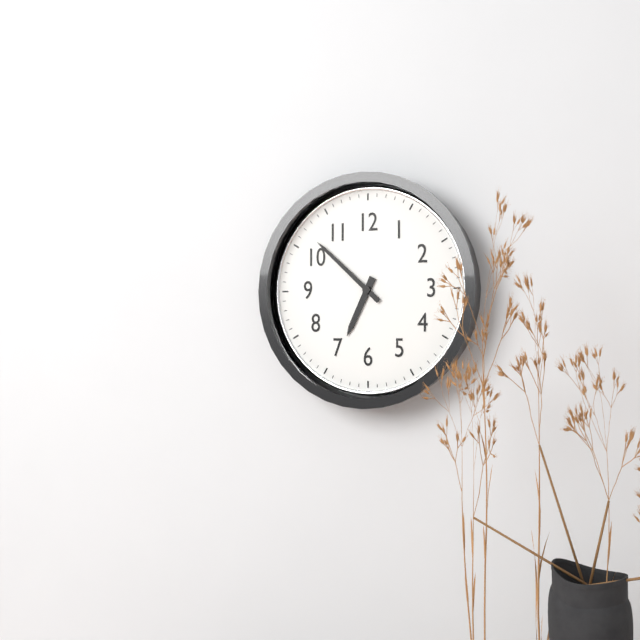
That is 6h52
